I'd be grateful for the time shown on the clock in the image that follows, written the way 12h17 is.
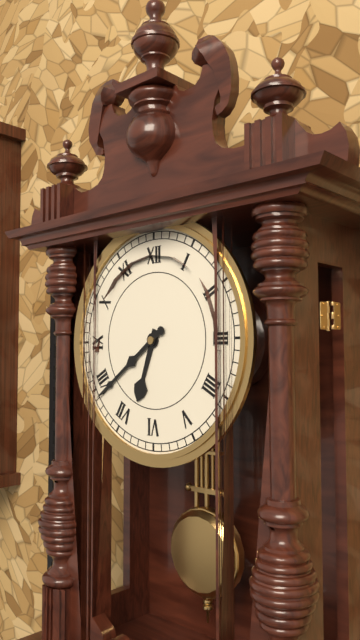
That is 6h39
